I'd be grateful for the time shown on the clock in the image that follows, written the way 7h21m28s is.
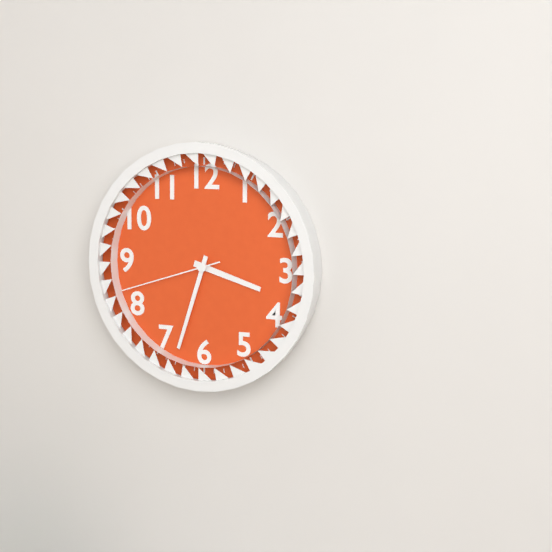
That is 3h33m42s
